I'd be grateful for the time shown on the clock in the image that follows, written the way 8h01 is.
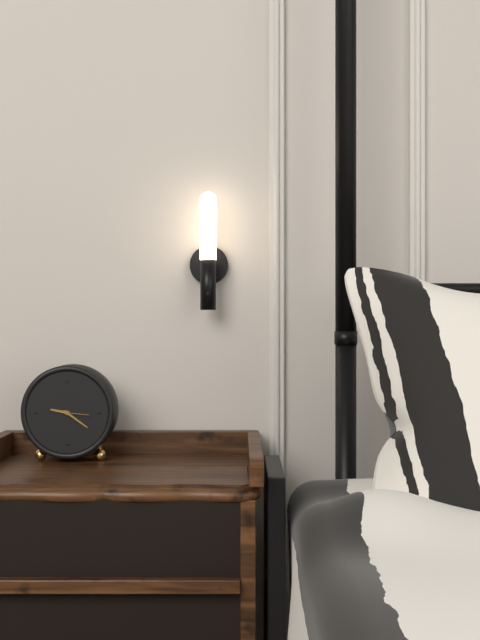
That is 9h21
